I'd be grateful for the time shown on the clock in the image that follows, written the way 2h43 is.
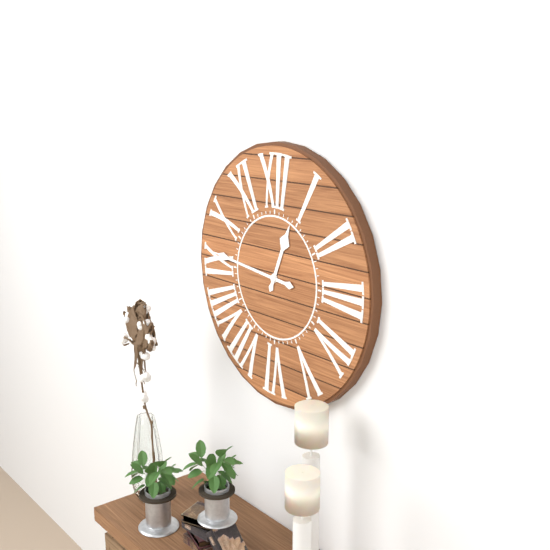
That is 12h46
